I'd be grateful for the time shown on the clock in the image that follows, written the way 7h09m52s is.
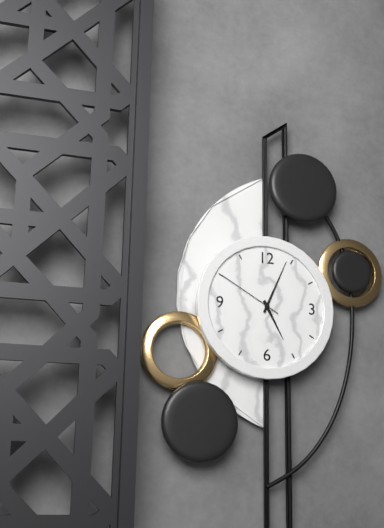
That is 5h04m50s
